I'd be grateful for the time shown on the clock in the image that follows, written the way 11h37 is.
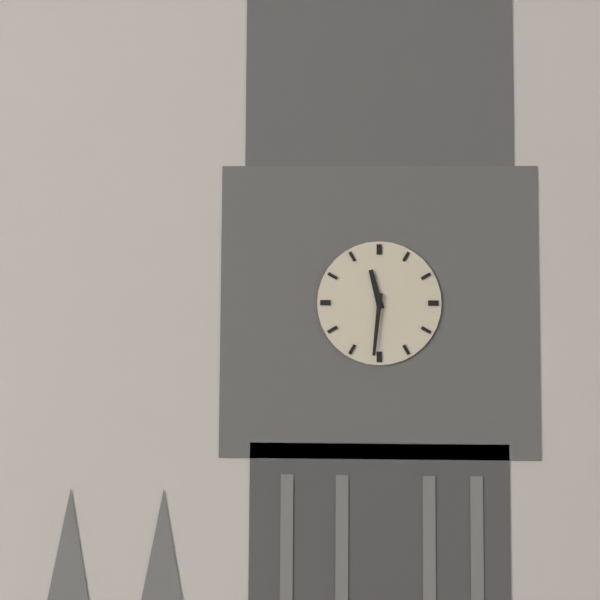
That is 11h31
